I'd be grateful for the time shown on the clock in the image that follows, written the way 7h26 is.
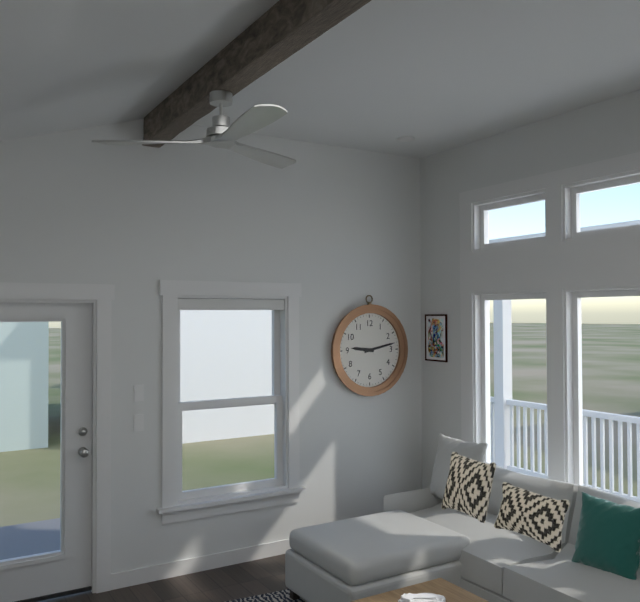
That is 9h13
